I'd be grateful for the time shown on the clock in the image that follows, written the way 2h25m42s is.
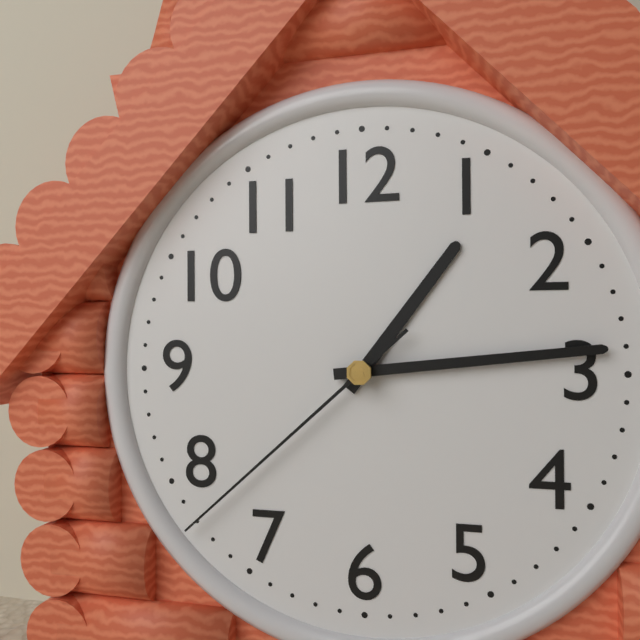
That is 1h14m38s
